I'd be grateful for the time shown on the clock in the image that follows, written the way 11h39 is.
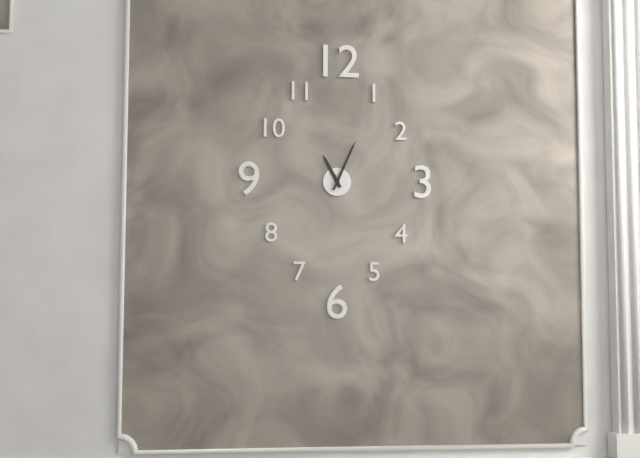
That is 11h04
